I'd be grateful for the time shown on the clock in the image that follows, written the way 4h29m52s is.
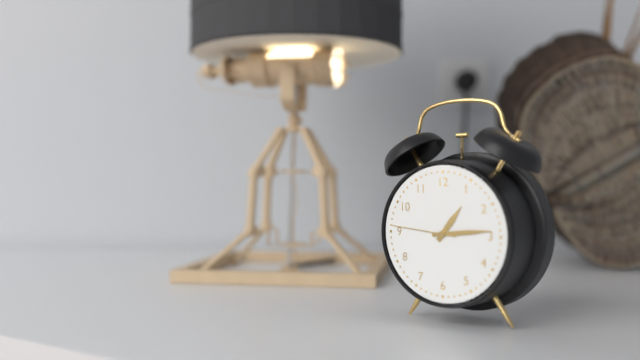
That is 1h14m46s
